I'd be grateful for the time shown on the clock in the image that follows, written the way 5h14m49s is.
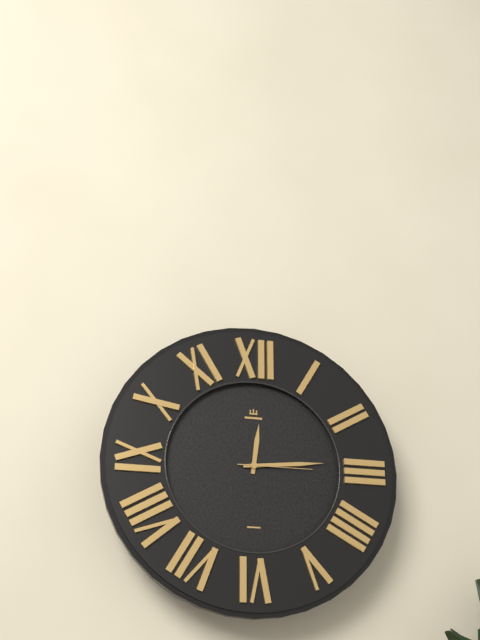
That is 12h14m15s
